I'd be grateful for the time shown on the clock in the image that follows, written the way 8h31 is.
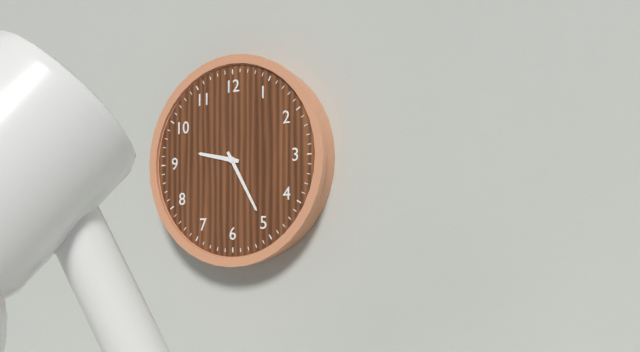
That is 9h25
